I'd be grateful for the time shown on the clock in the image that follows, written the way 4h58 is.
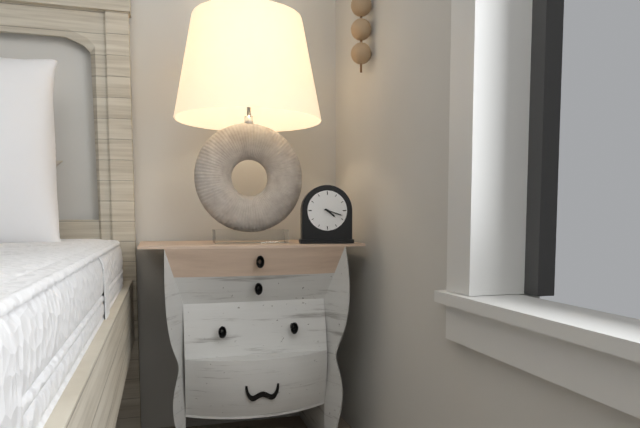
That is 4h18
